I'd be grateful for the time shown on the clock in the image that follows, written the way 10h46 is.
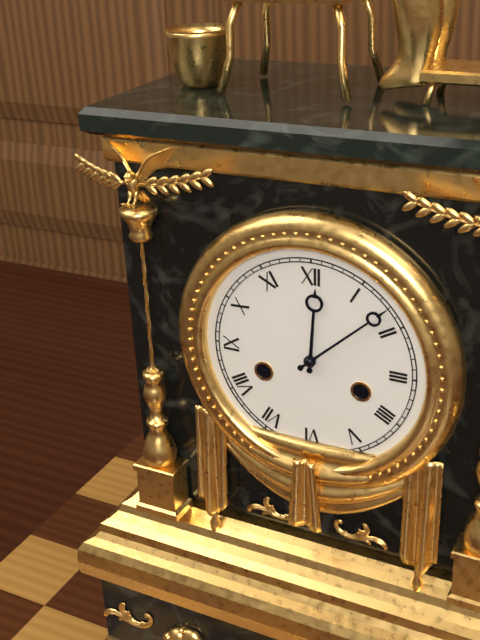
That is 12h08
